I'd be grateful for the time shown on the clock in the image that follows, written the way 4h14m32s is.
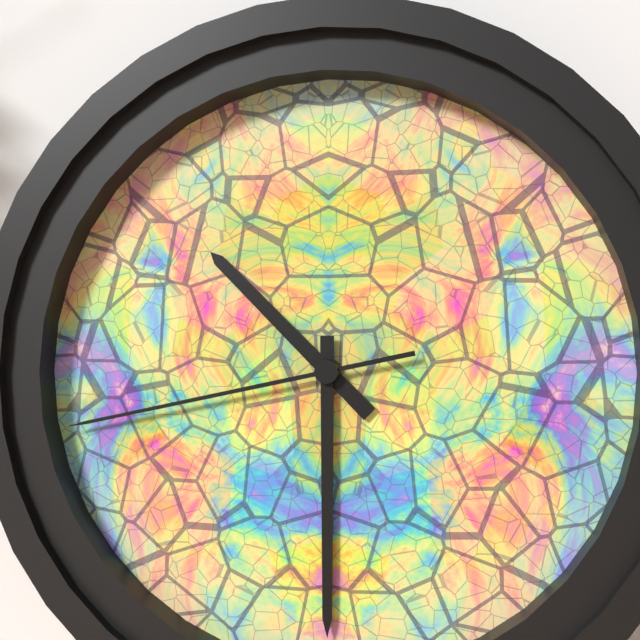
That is 10h30m43s
